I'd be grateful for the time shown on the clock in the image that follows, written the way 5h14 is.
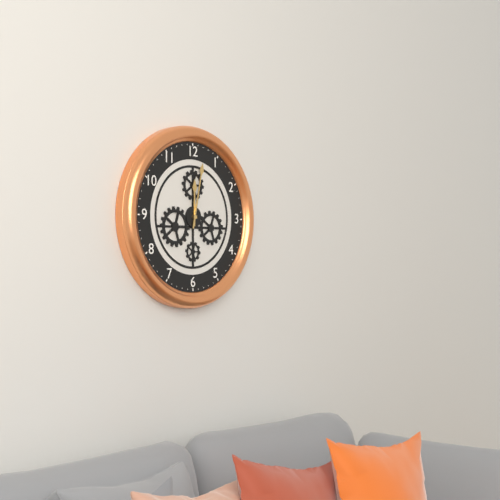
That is 12h02
